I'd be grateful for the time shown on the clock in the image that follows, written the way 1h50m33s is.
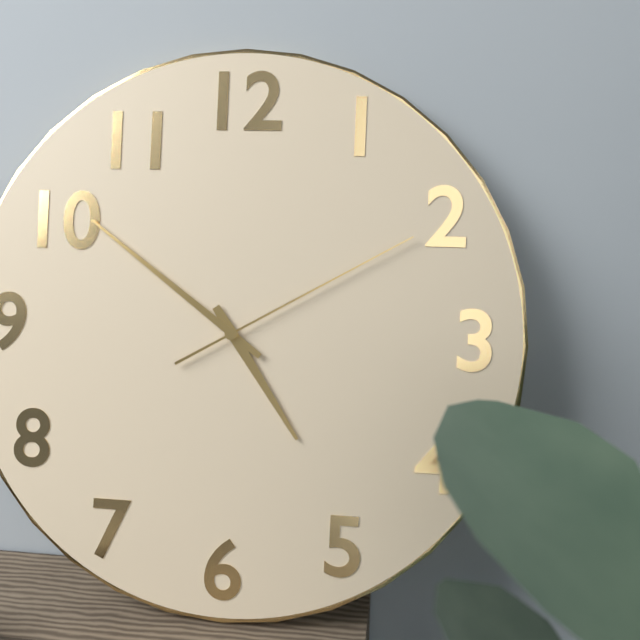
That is 4h51m10s
